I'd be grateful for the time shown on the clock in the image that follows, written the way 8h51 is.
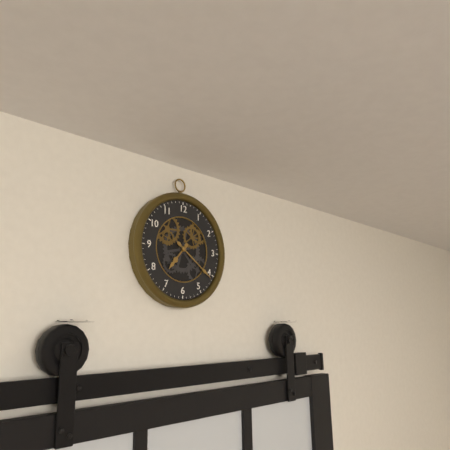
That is 7h21
